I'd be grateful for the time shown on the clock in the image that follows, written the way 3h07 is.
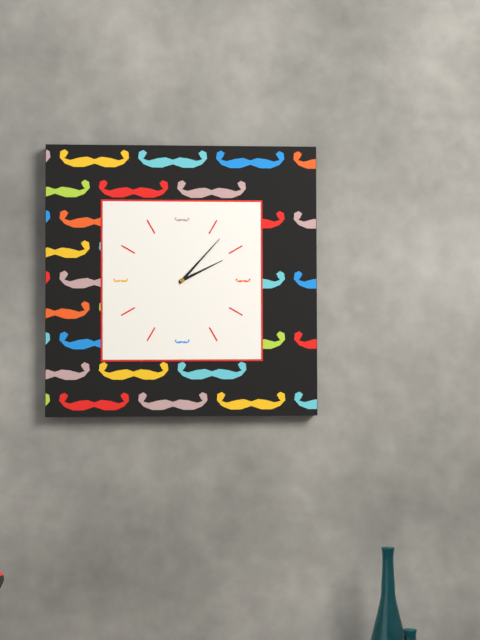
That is 2h07
